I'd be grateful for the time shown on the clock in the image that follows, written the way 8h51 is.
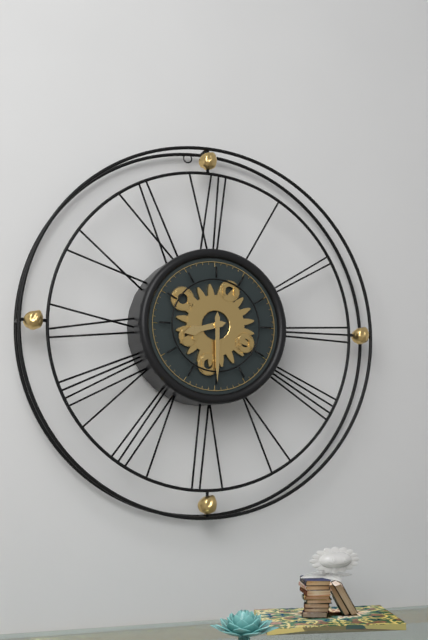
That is 8h30
